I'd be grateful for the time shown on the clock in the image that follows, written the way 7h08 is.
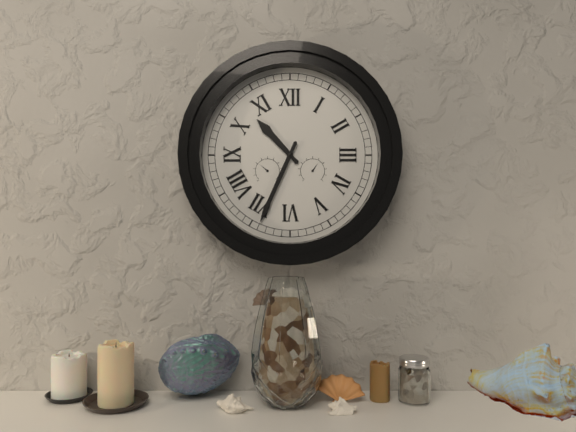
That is 10h34
